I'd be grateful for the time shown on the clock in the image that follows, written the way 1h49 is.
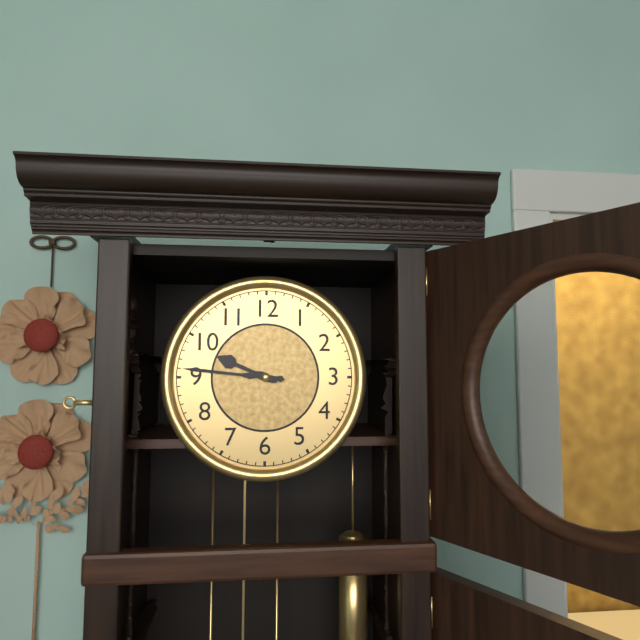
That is 9h46
